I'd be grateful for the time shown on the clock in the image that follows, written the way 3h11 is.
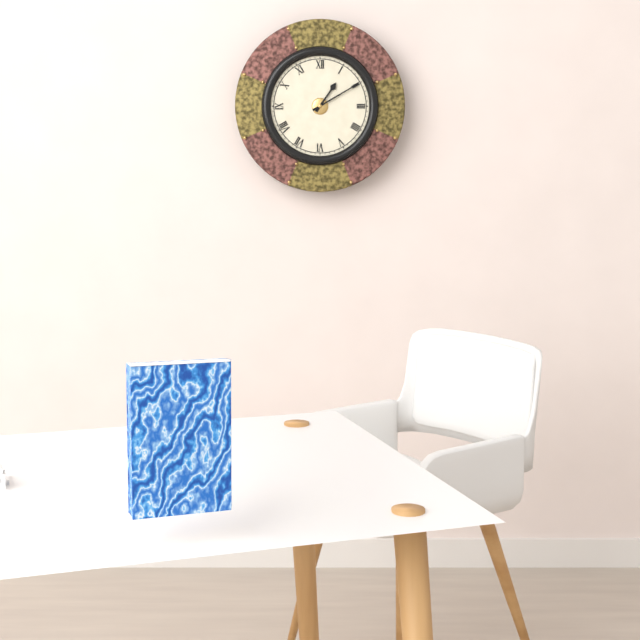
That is 1h10
